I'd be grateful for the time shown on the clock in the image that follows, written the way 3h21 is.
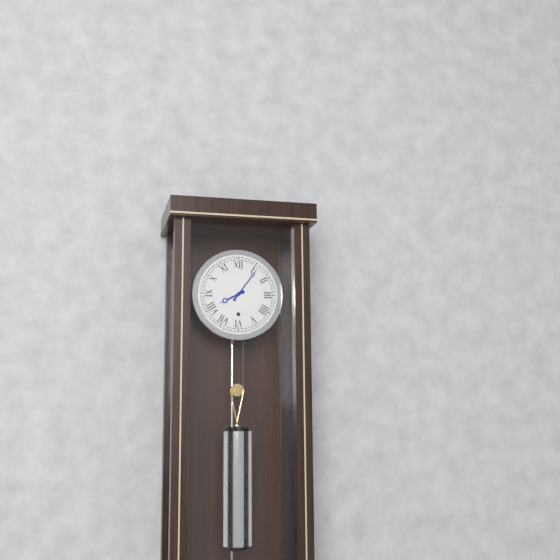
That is 8h06
